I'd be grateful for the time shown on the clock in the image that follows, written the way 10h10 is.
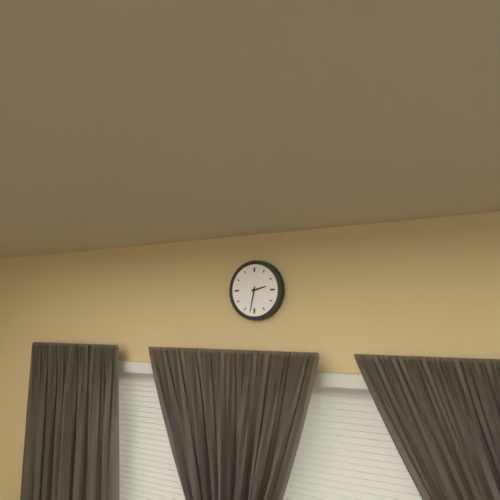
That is 2h32
